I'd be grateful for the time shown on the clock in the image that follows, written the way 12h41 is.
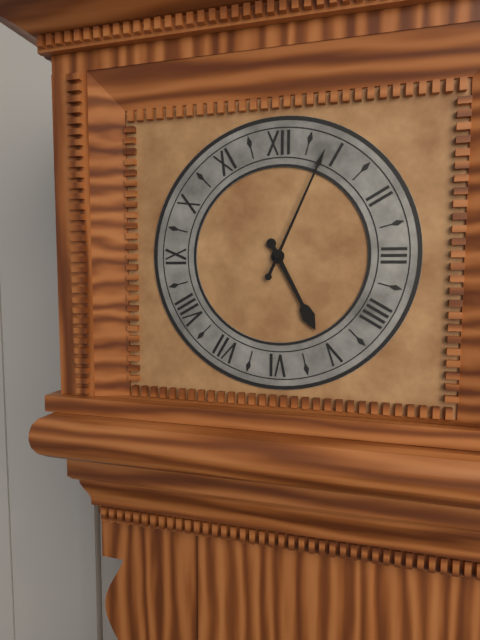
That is 5h04
